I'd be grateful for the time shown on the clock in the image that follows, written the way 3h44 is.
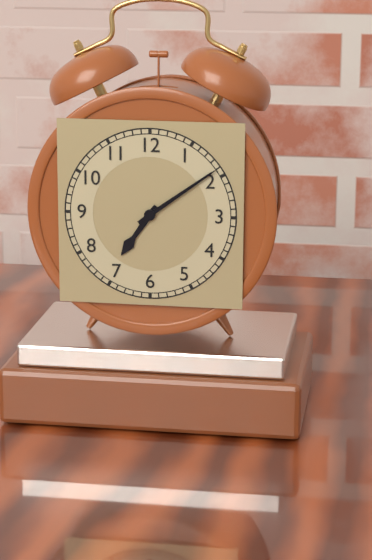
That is 7h09
